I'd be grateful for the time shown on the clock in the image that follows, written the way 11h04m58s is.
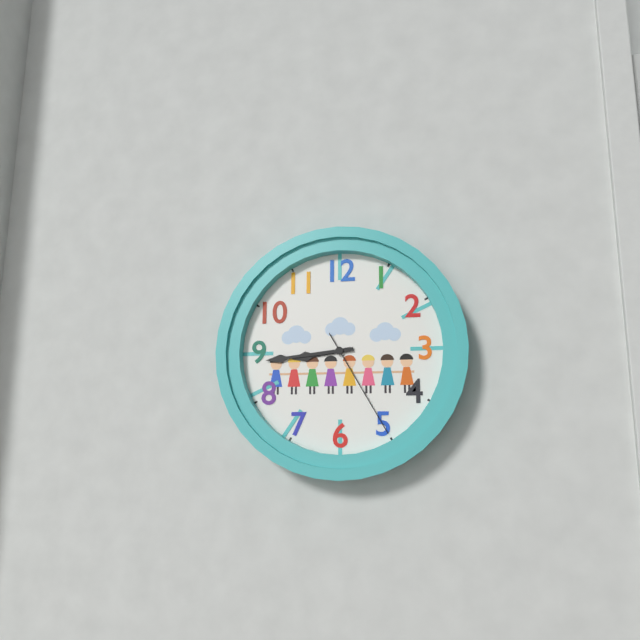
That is 8h44m25s
